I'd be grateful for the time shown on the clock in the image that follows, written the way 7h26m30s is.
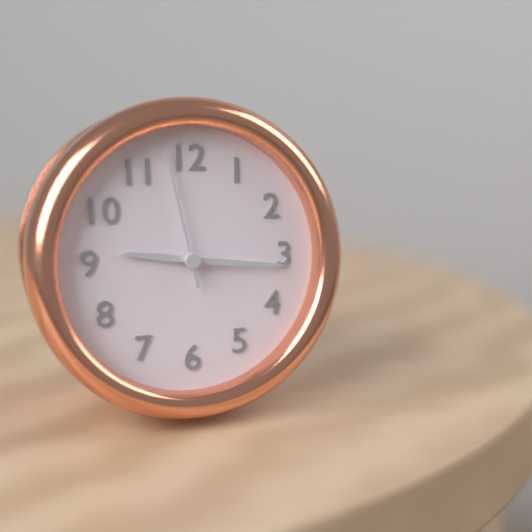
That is 9h16m58s
